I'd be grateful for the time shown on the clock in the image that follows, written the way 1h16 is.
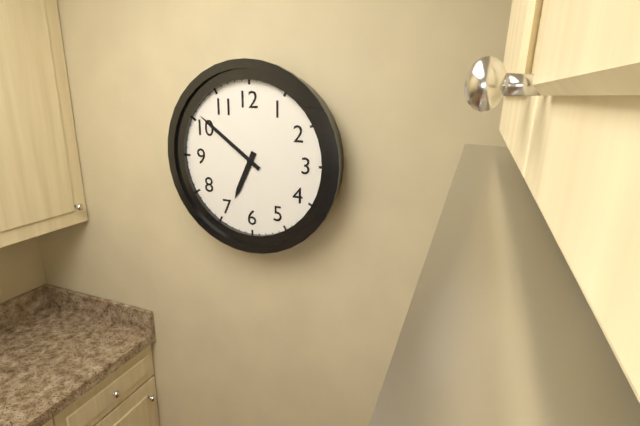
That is 6h51
